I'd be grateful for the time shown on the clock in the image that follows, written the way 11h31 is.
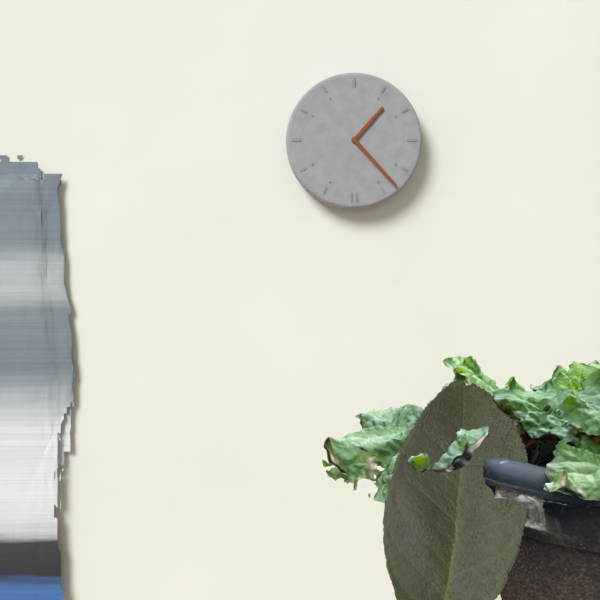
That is 1h23
